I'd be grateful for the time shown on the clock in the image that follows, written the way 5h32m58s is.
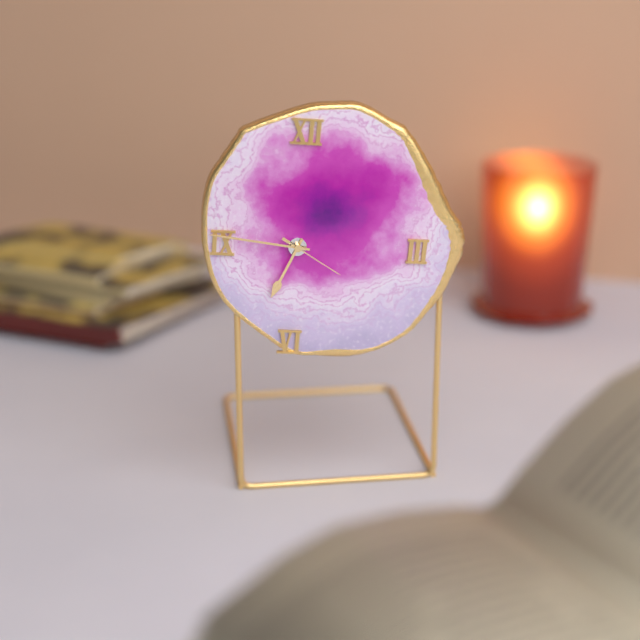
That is 6h46m20s
